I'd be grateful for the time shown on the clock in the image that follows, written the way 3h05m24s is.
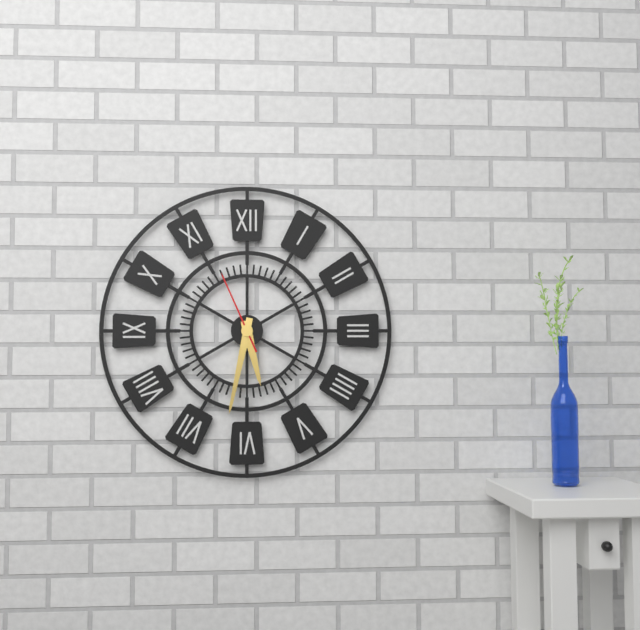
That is 5h32m56s
